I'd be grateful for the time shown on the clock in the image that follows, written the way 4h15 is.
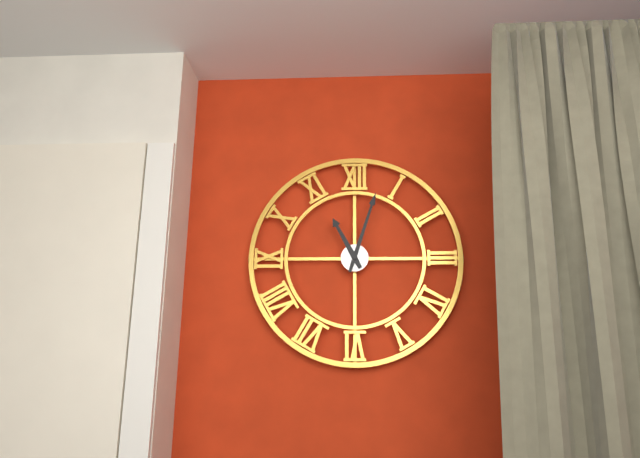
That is 11h03
